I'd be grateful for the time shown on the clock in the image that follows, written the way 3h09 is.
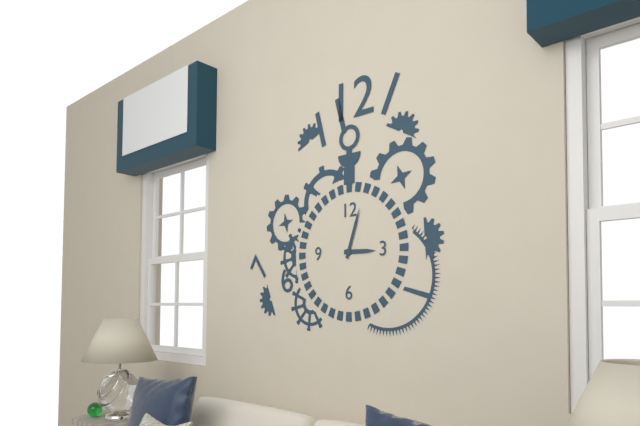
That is 3h03
